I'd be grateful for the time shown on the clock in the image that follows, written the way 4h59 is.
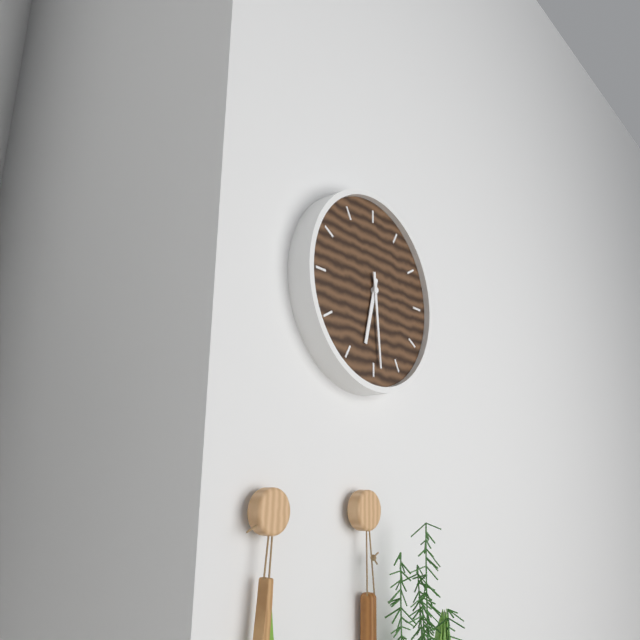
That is 6h29
